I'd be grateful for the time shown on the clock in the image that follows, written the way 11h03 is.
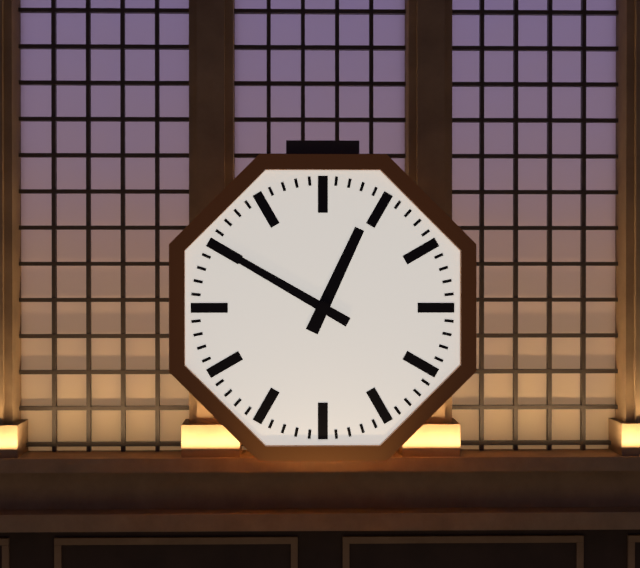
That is 12h50
